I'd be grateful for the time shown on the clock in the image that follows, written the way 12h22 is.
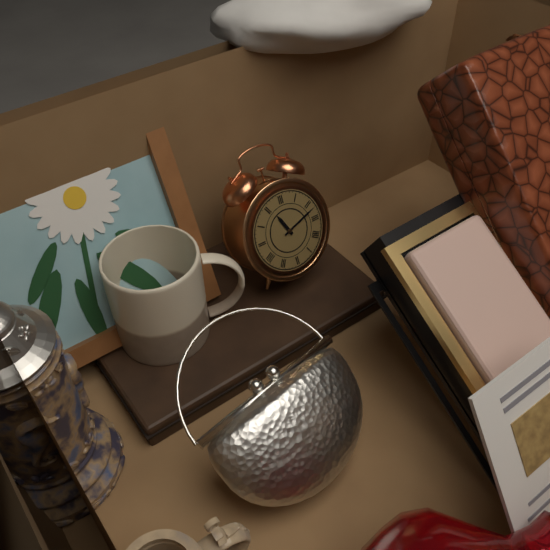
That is 11h12
